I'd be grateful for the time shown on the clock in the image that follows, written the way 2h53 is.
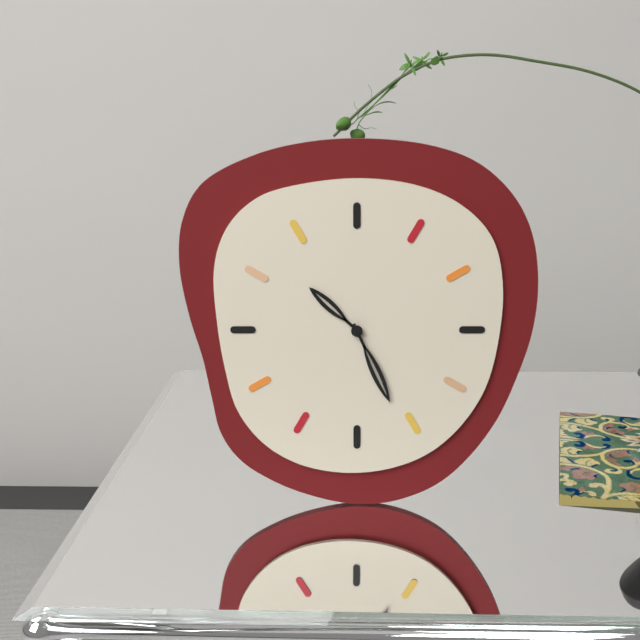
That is 10h26
